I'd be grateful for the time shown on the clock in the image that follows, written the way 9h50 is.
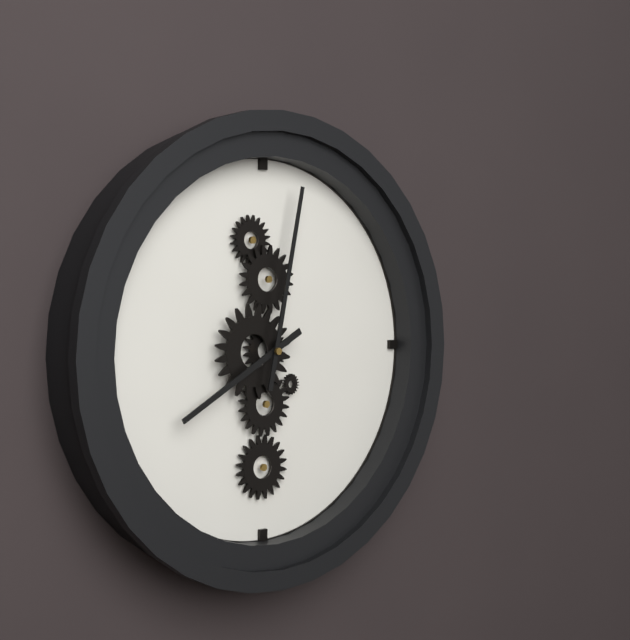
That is 8h02
